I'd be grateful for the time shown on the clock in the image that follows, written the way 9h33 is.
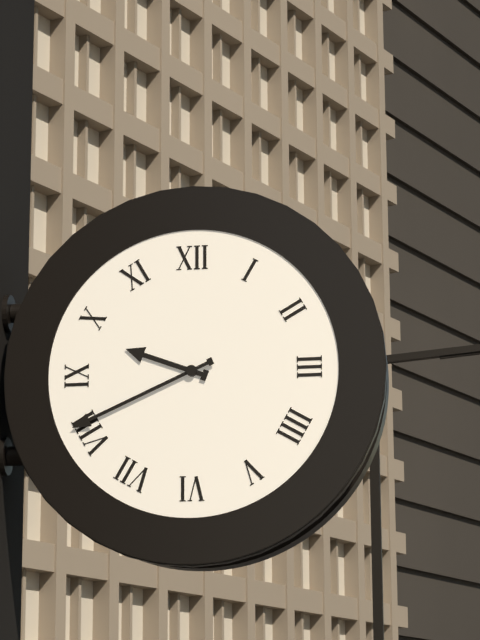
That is 9h41
